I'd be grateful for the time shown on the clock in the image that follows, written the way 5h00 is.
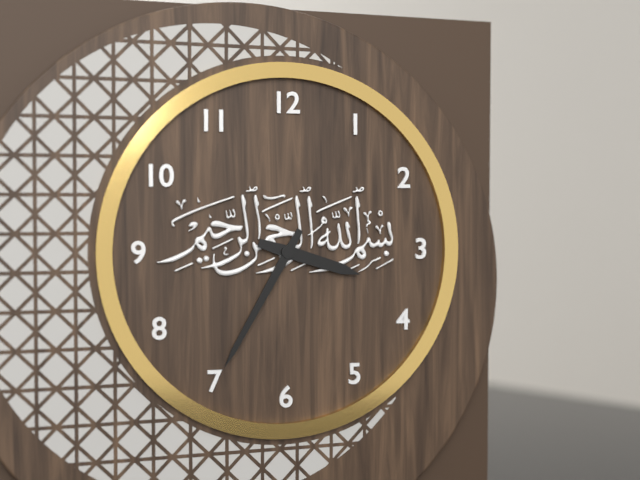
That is 3h35
